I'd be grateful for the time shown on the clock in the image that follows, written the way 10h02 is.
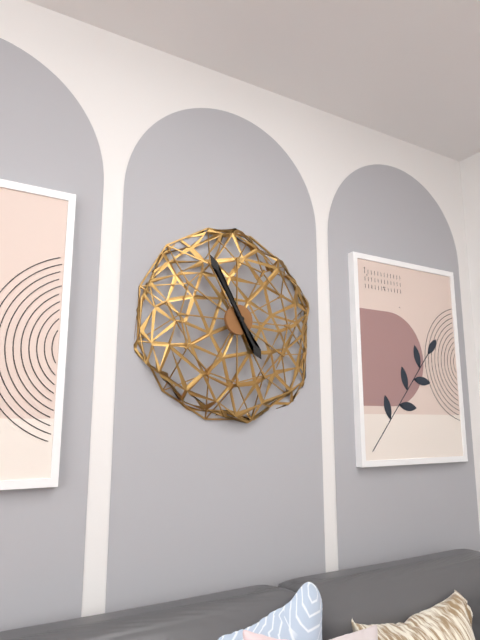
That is 4h55
